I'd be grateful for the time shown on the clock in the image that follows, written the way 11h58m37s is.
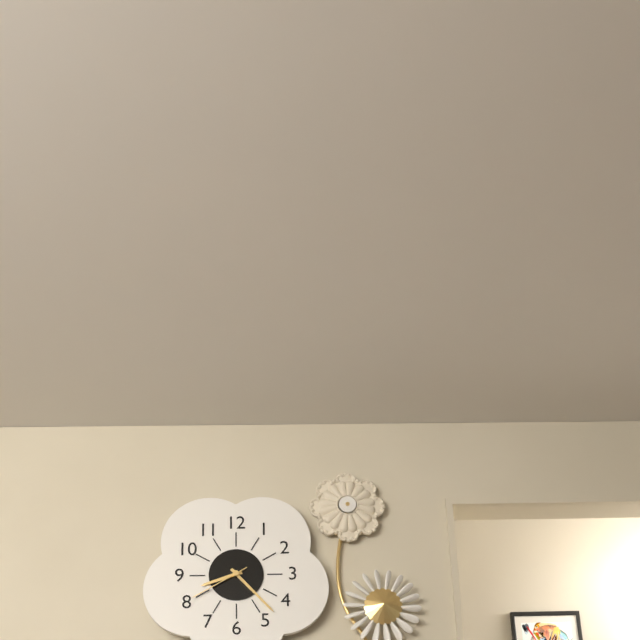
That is 8h23m40s
